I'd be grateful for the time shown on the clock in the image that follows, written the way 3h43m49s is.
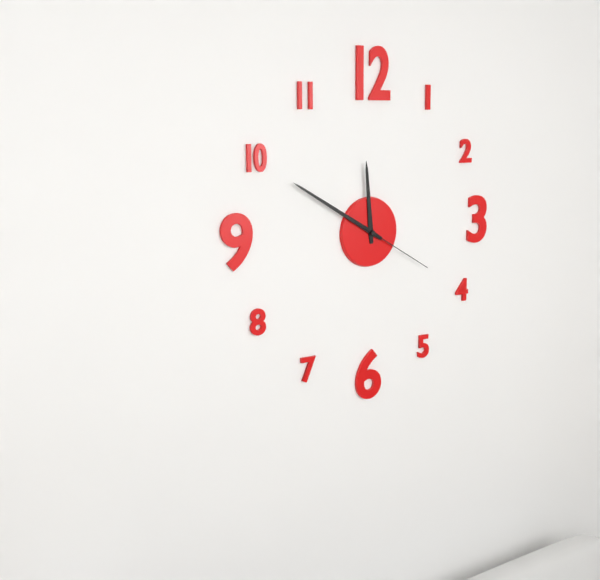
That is 11h50m20s
